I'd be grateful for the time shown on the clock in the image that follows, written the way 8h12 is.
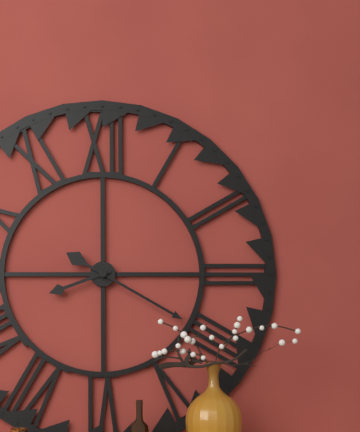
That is 8h20
